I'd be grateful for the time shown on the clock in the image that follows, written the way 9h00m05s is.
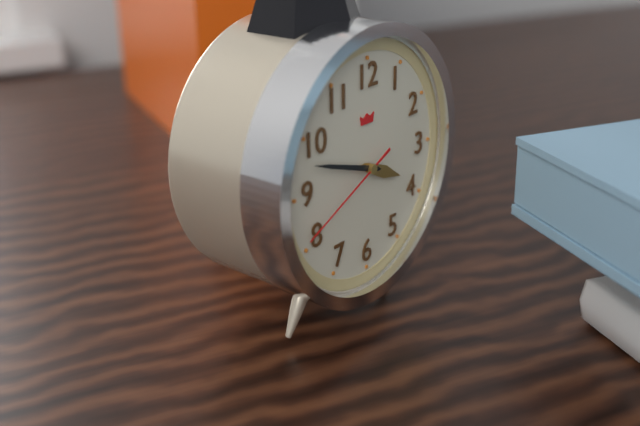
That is 3h48m41s
